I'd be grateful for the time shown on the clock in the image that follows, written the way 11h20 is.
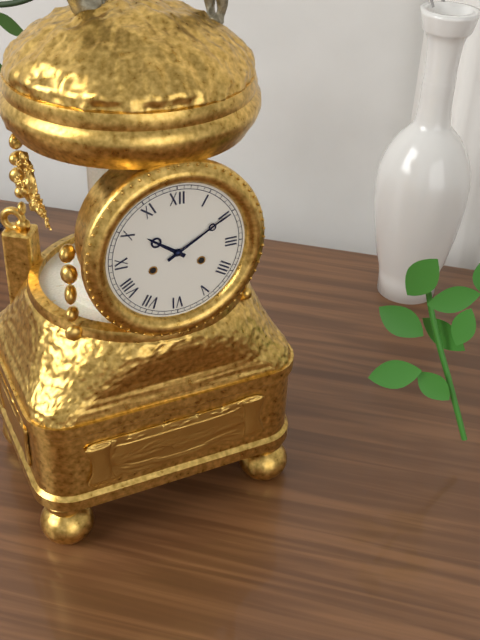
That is 10h10
